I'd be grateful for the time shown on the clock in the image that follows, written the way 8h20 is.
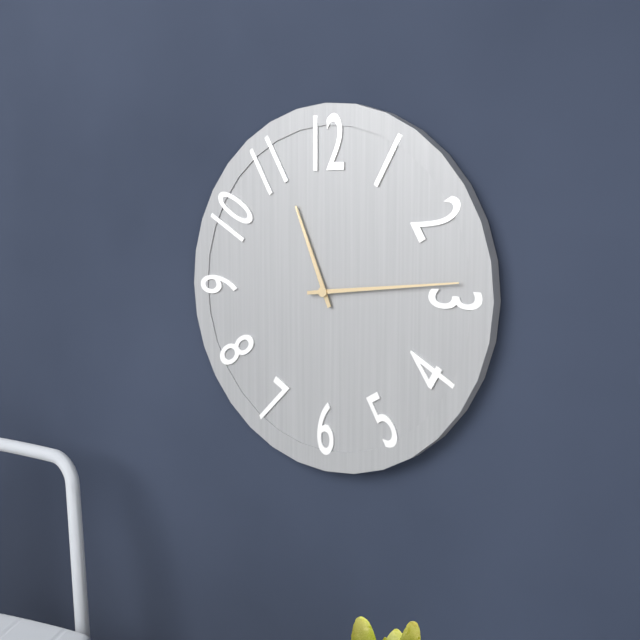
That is 11h14
